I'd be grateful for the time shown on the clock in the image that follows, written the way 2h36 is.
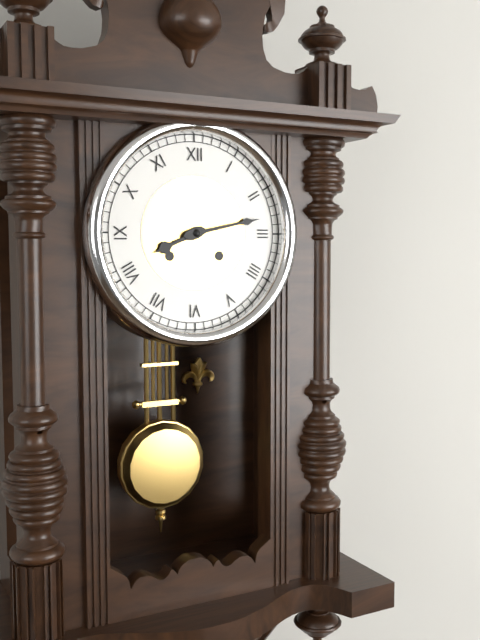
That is 8h13
